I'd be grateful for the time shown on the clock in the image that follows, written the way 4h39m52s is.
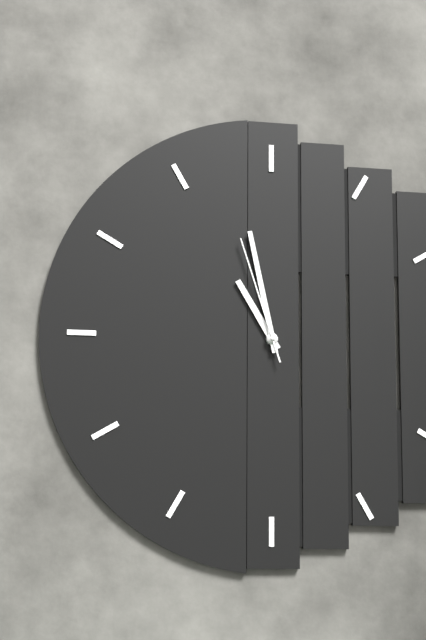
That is 10h58m57s
